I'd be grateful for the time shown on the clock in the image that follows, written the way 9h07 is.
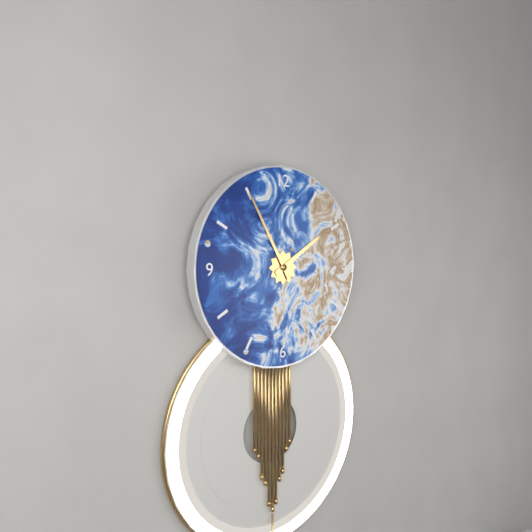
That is 1h55
